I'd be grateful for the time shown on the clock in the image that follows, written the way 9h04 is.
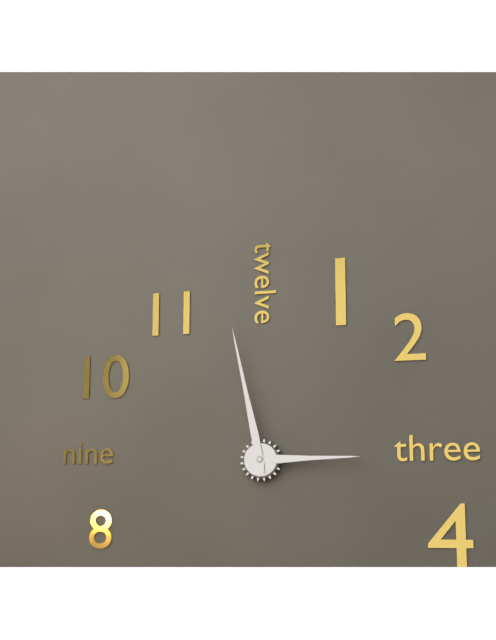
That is 2h58
